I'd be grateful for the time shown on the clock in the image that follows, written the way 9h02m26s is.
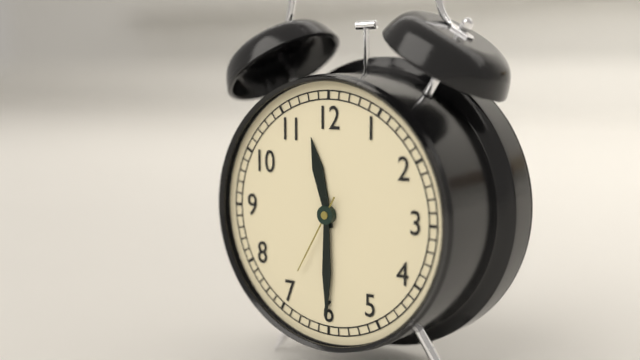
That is 11h30m35s
